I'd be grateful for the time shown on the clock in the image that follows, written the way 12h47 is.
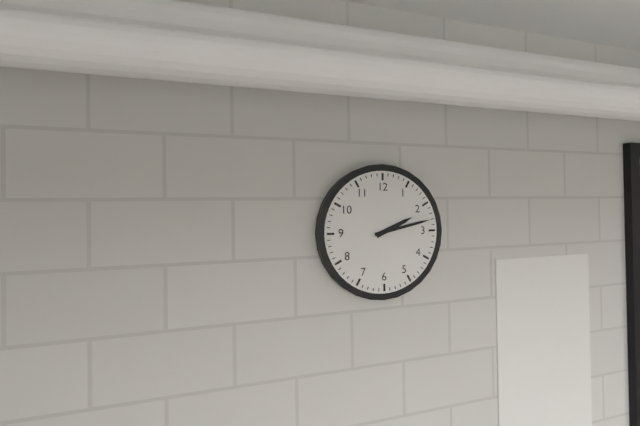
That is 2h13
